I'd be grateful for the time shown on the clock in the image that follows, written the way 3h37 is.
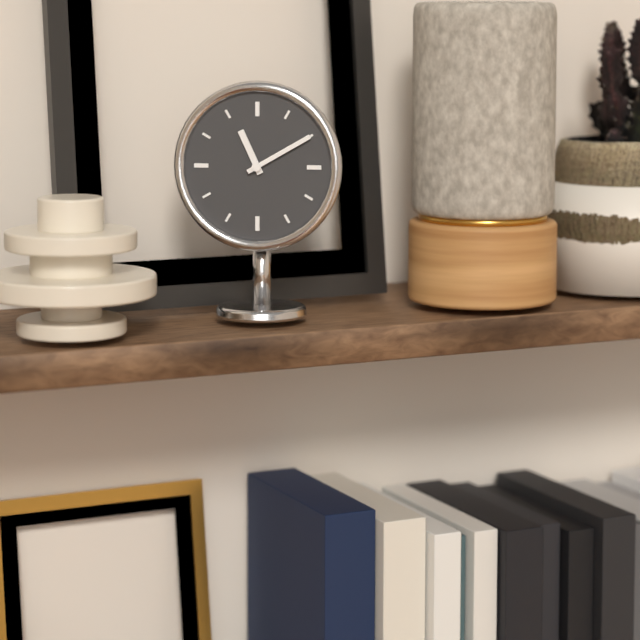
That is 11h10
